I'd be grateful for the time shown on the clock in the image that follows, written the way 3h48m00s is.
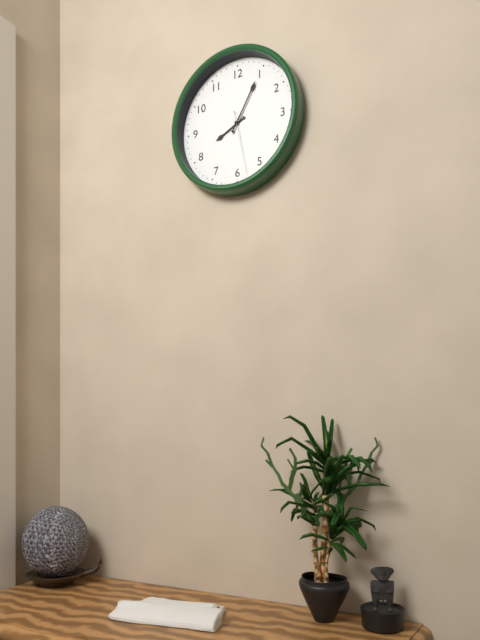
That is 8h05m28s
